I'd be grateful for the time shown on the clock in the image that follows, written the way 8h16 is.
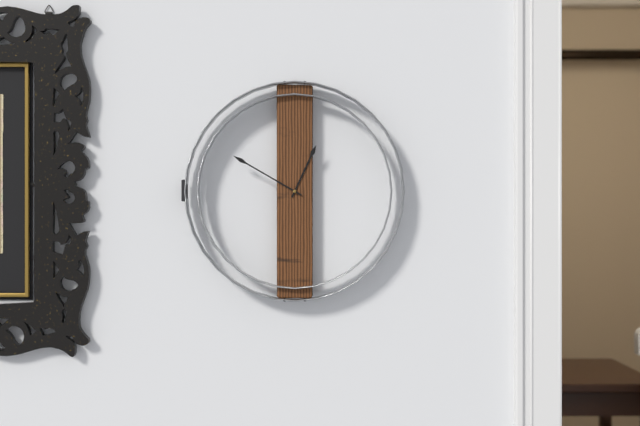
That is 12h50
